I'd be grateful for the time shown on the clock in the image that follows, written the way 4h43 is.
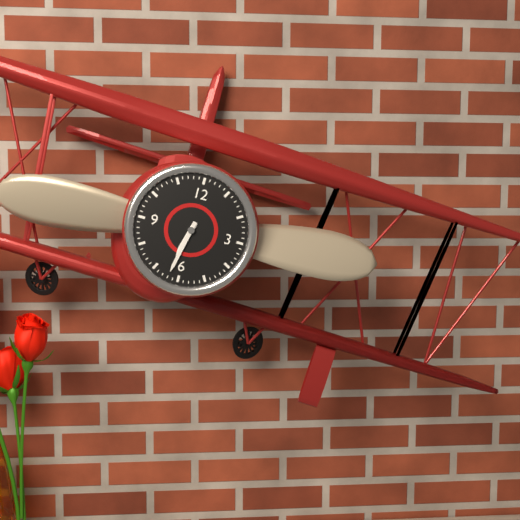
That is 6h32
